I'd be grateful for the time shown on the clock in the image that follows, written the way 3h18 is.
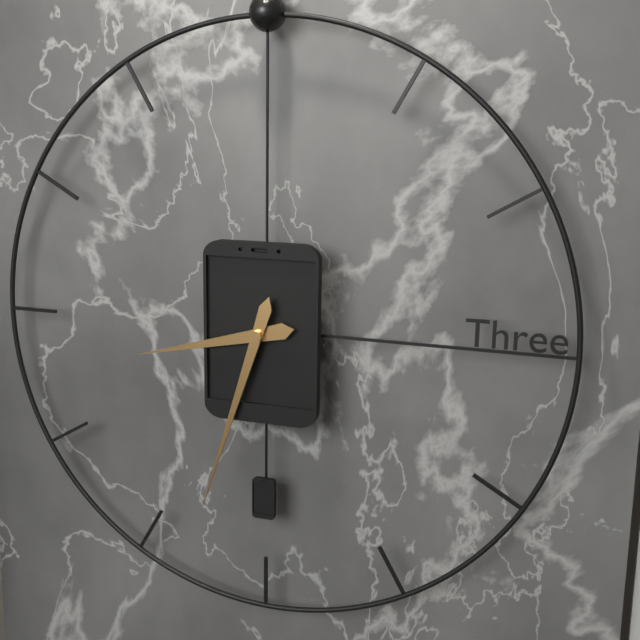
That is 8h33
